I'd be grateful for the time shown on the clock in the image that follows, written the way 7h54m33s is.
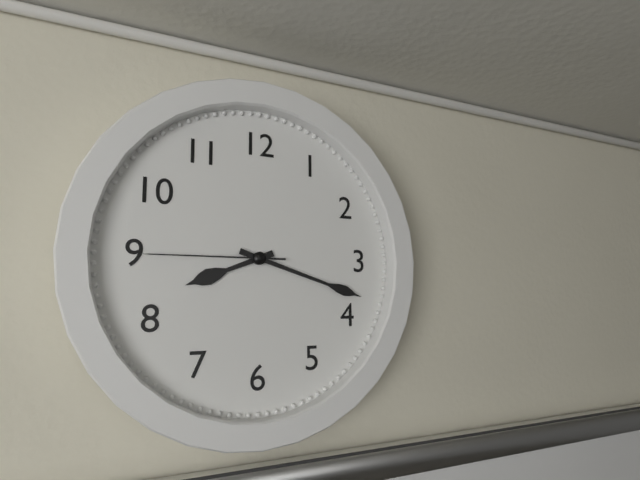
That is 8h18m45s
